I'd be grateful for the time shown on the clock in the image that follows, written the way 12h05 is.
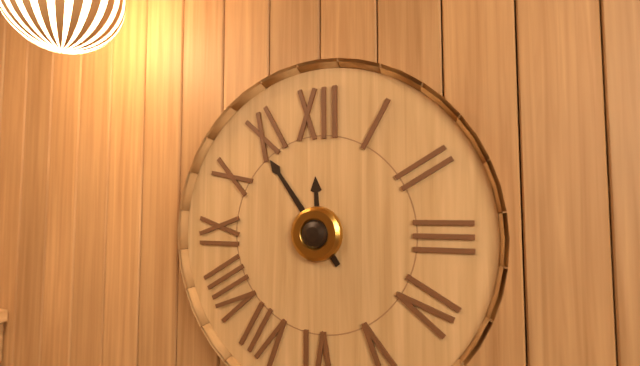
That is 11h54
